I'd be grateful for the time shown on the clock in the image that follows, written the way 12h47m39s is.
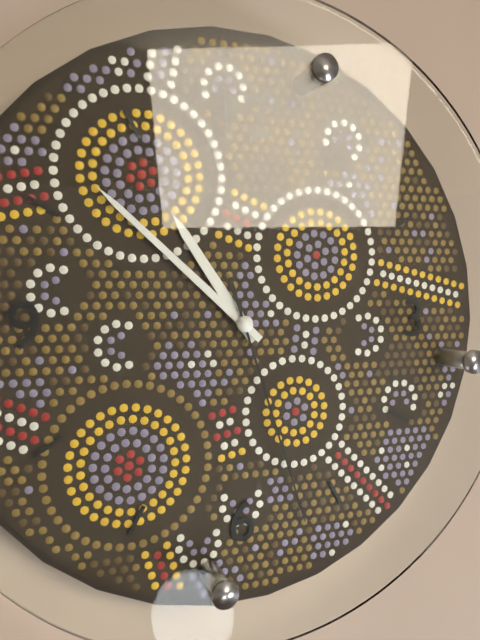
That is 10h52m27s
